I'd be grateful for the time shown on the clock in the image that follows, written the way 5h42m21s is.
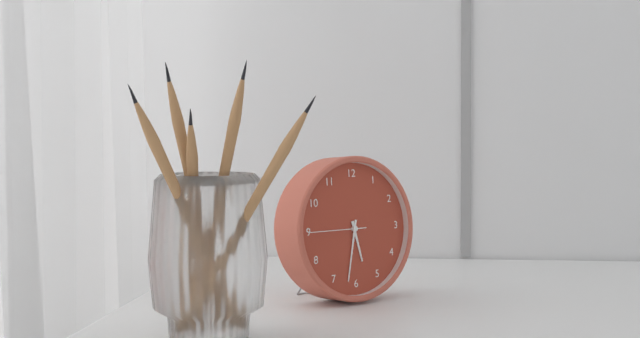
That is 5h32m45s
